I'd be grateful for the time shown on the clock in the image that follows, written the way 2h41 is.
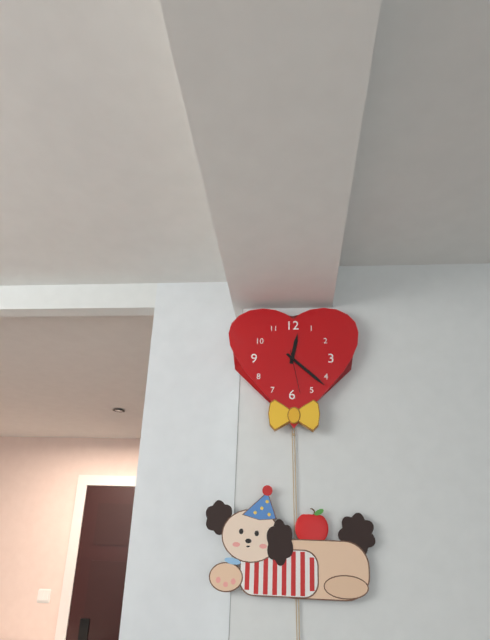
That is 12h22
